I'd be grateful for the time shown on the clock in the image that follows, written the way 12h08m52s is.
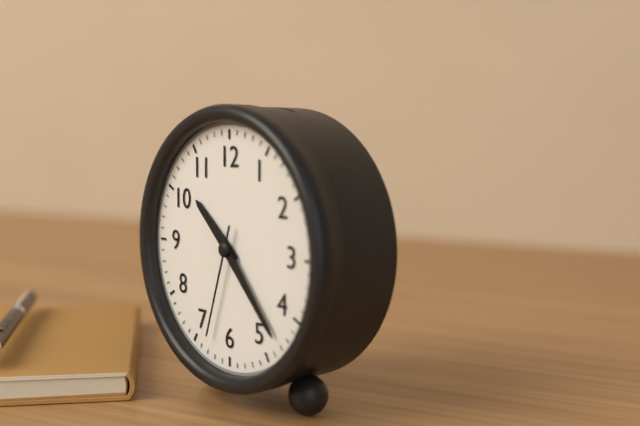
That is 10h23m33s
